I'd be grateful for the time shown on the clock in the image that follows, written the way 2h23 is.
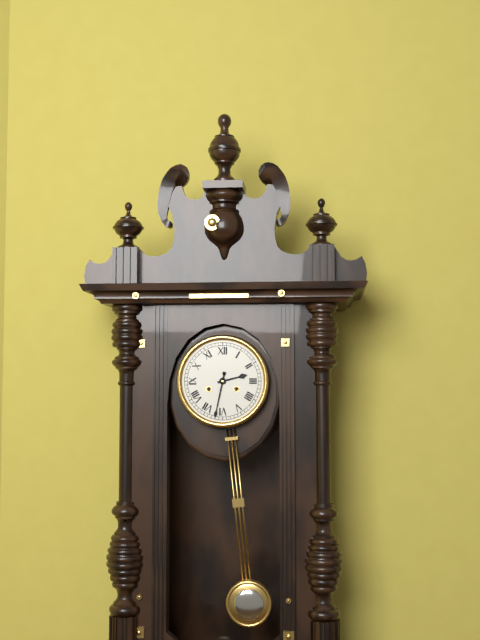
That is 2h32
